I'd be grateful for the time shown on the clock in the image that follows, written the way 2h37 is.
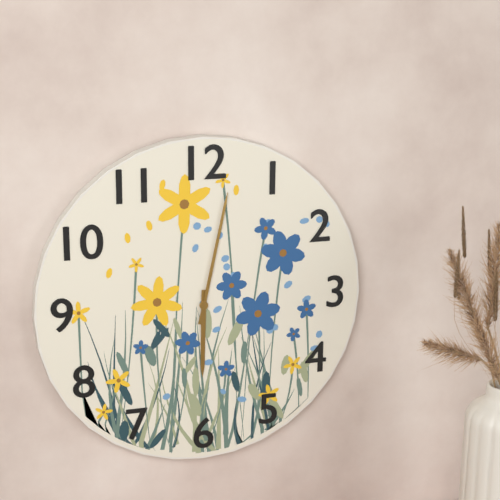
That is 6h02
